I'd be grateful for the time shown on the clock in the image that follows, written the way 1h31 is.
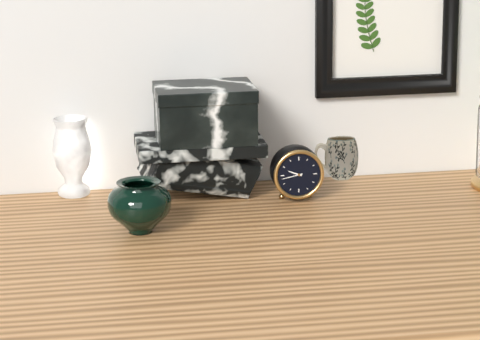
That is 9h43
